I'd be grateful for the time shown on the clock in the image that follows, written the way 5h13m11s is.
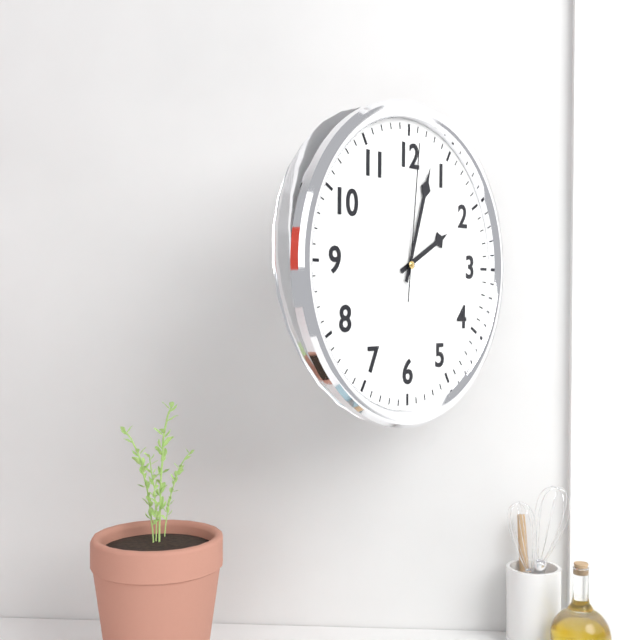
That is 2h03m01s
